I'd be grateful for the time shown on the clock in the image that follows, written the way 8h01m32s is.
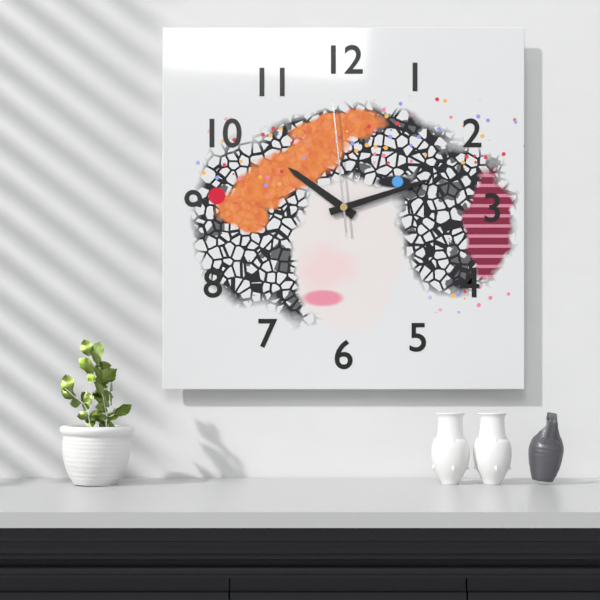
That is 10h12m59s
